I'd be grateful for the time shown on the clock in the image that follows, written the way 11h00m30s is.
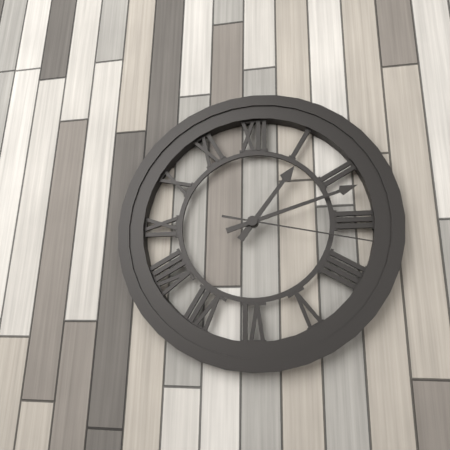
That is 1h12m17s
